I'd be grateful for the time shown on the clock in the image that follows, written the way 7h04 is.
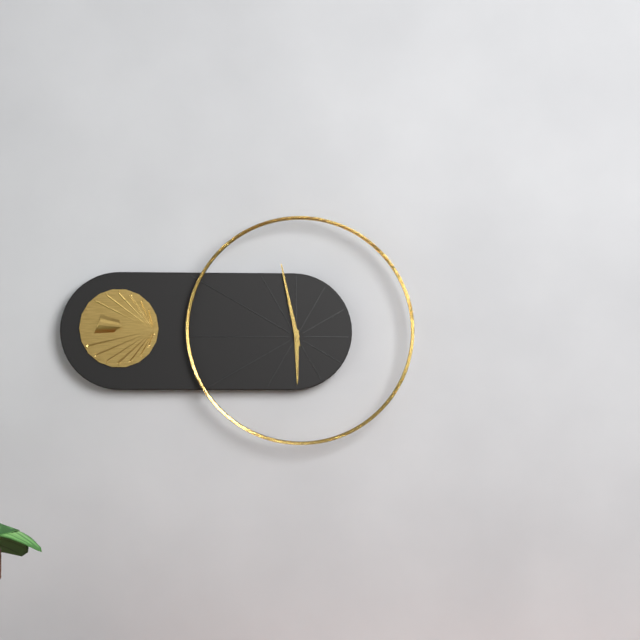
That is 5h58
